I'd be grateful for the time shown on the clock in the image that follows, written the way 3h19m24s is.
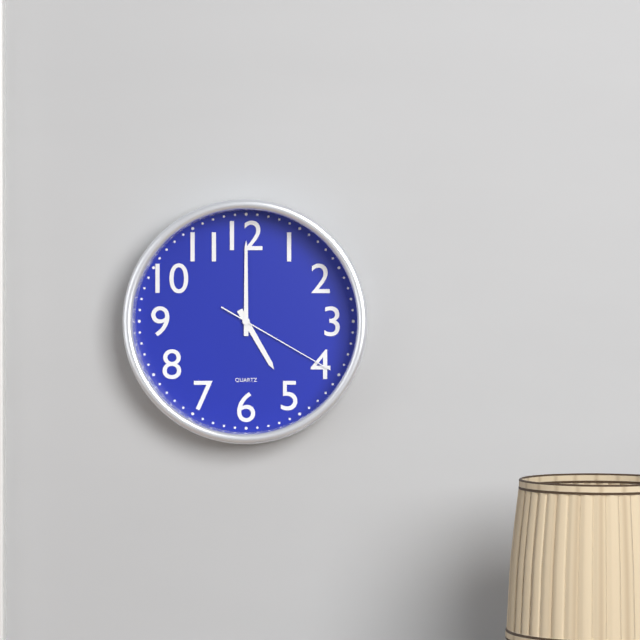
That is 5h00m20s
